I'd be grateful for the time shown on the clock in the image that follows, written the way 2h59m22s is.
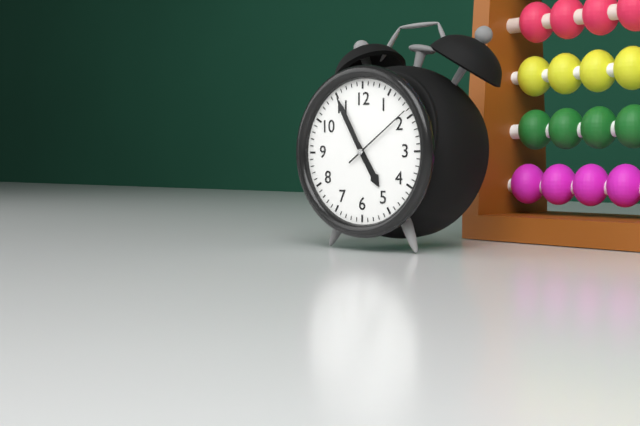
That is 4h55m09s
